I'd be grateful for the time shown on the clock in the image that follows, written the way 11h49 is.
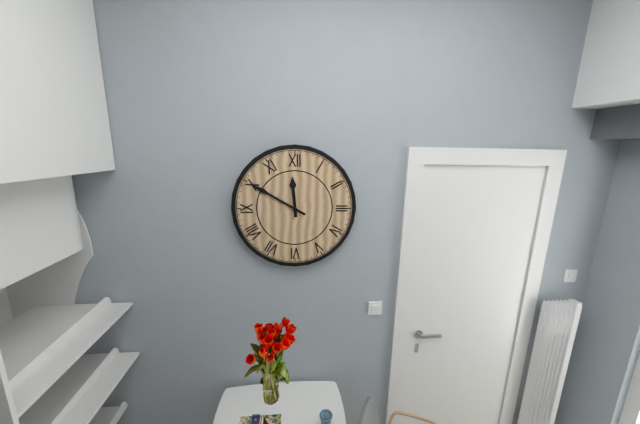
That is 11h50
